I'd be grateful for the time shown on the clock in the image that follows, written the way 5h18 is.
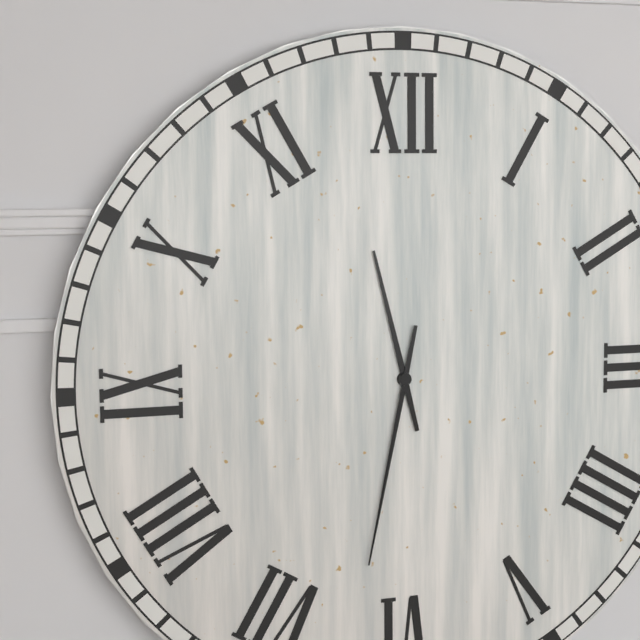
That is 11h32
